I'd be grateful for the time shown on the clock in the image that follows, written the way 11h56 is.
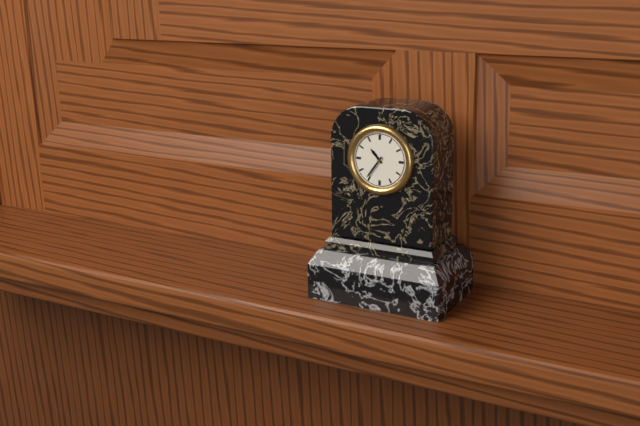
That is 10h36
